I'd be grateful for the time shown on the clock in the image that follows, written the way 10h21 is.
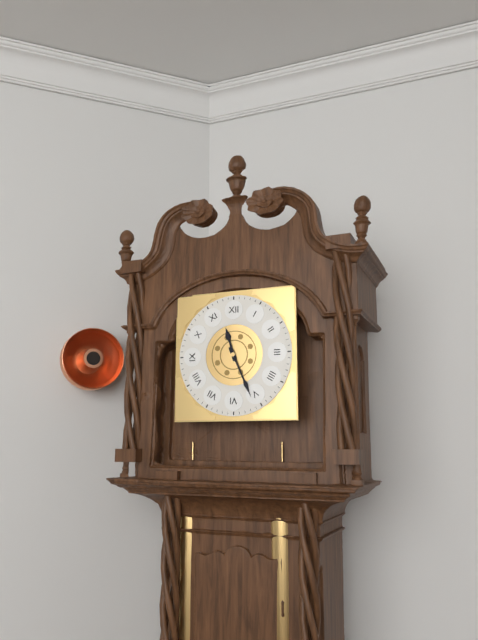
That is 11h26
